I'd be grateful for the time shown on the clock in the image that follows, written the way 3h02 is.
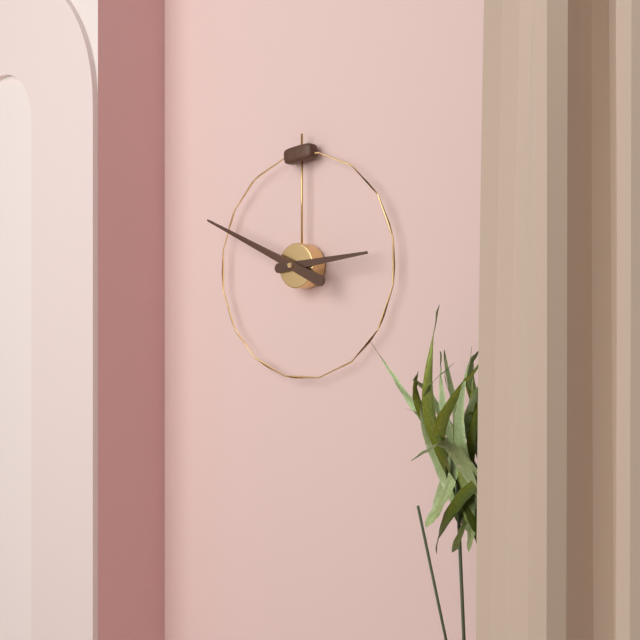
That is 2h49
